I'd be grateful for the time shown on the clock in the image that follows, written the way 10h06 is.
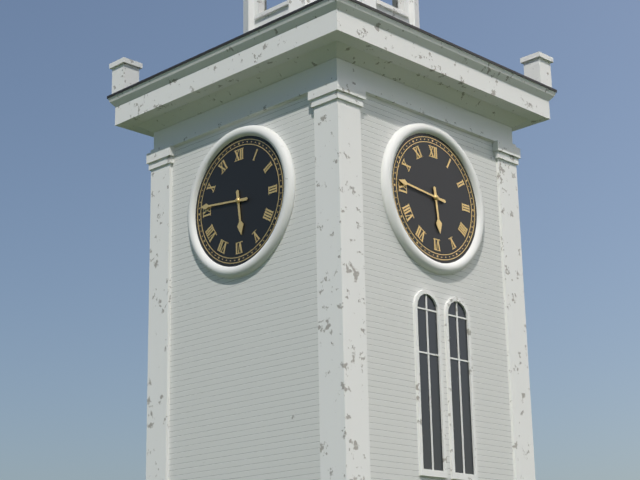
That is 5h46
